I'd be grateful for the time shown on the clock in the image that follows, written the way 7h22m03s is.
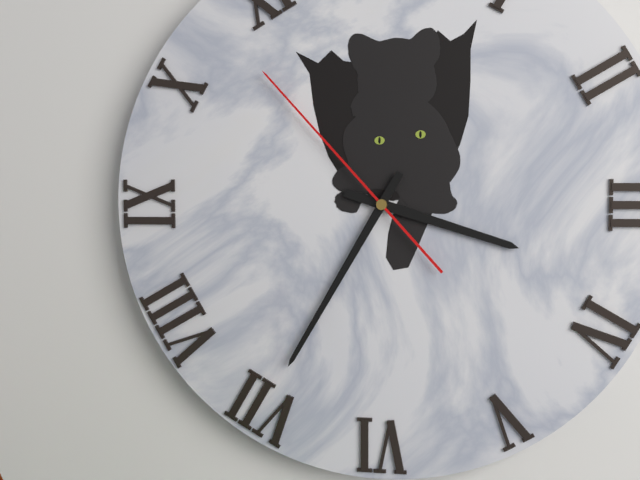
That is 3h35m53s
